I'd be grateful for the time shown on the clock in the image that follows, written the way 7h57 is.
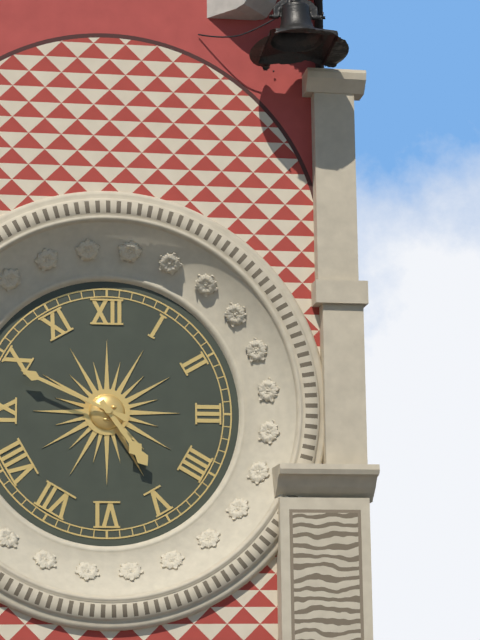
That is 4h49
